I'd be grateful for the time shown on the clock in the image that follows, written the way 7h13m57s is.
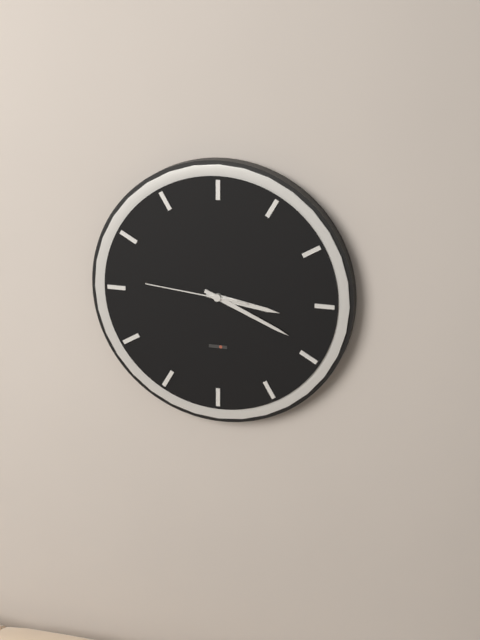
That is 3h19m46s
